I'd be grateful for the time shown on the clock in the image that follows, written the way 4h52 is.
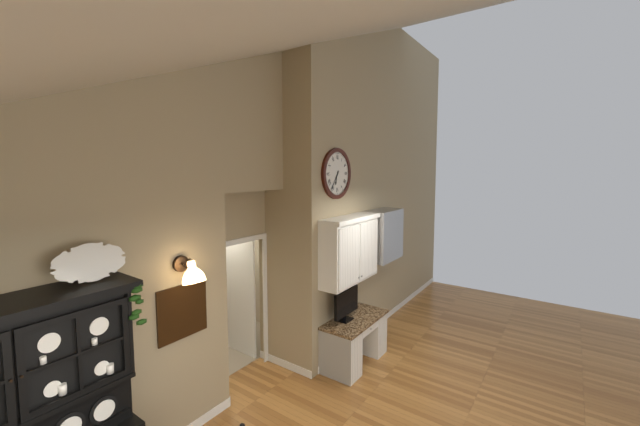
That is 6h36
